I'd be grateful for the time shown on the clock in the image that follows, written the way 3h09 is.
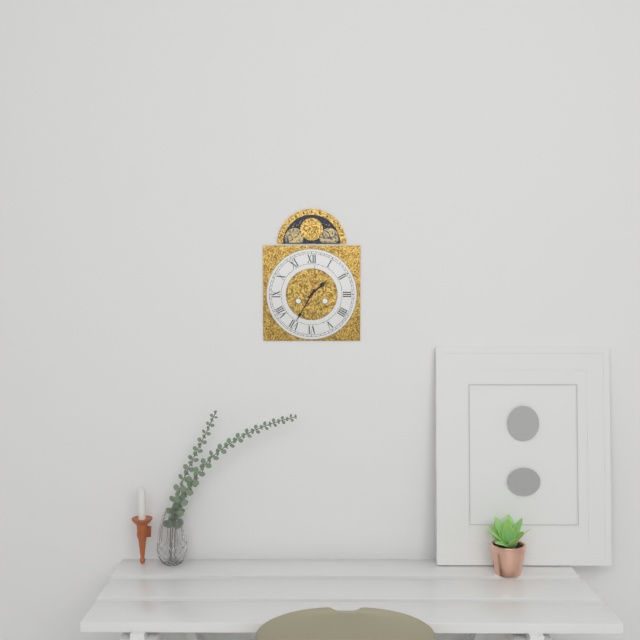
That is 1h35
